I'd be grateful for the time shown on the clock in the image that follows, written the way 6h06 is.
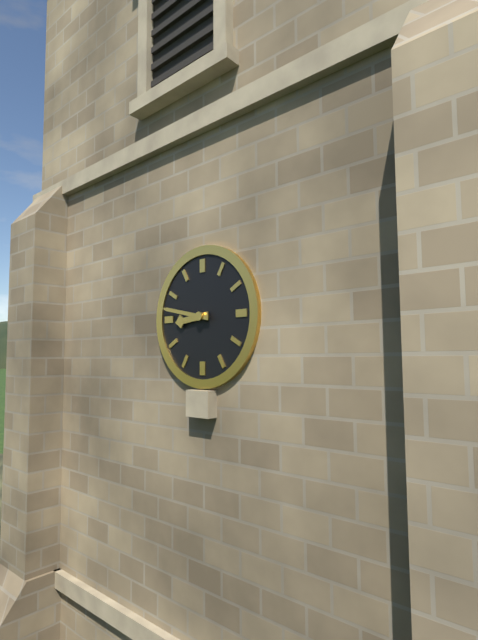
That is 8h47
